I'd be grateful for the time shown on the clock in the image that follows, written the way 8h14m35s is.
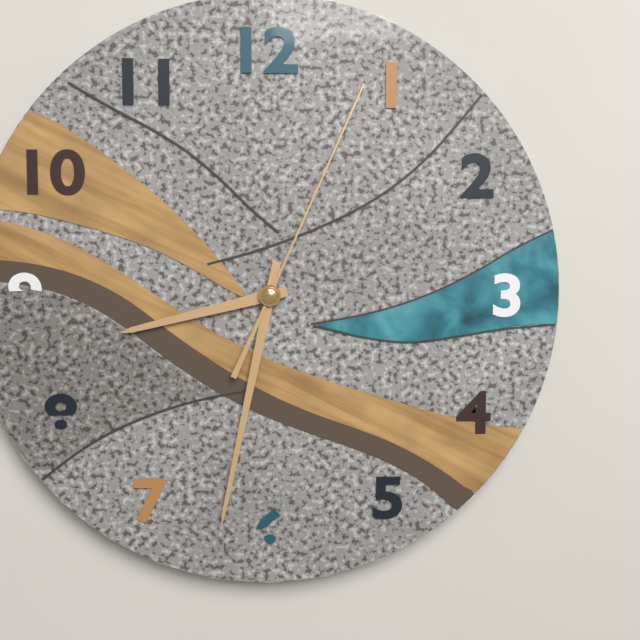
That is 8h32m04s
